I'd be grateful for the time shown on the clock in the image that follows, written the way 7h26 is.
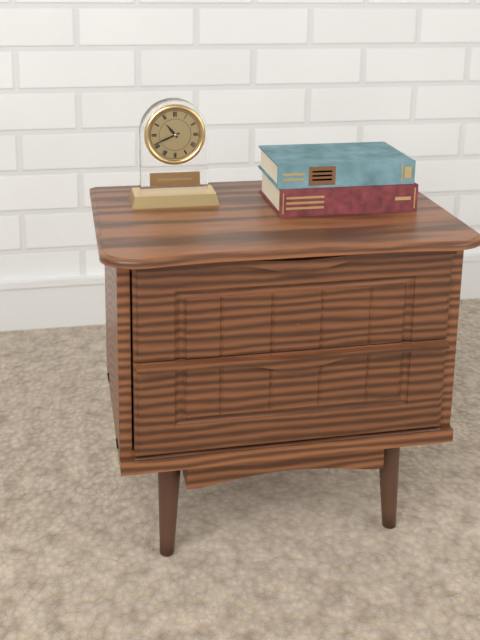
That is 10h41
